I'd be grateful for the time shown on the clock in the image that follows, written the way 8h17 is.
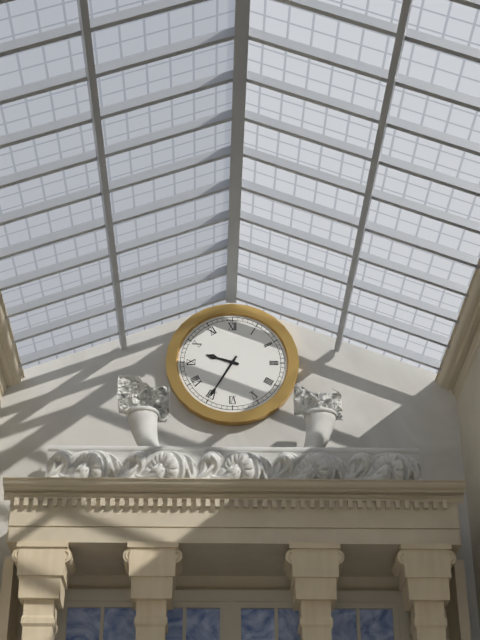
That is 9h35
